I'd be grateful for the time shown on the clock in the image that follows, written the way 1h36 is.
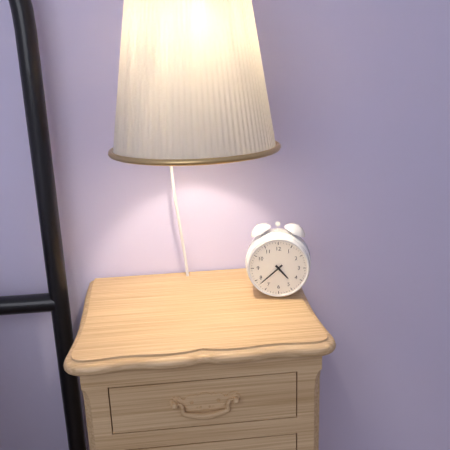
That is 4h38
